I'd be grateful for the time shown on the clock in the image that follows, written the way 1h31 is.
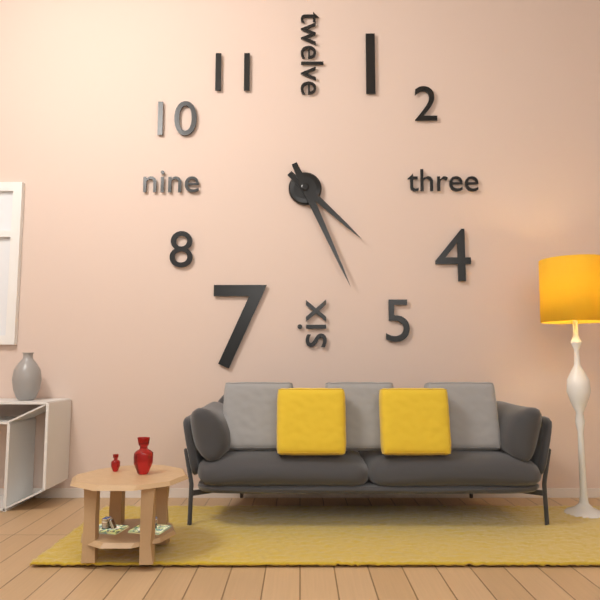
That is 4h26
